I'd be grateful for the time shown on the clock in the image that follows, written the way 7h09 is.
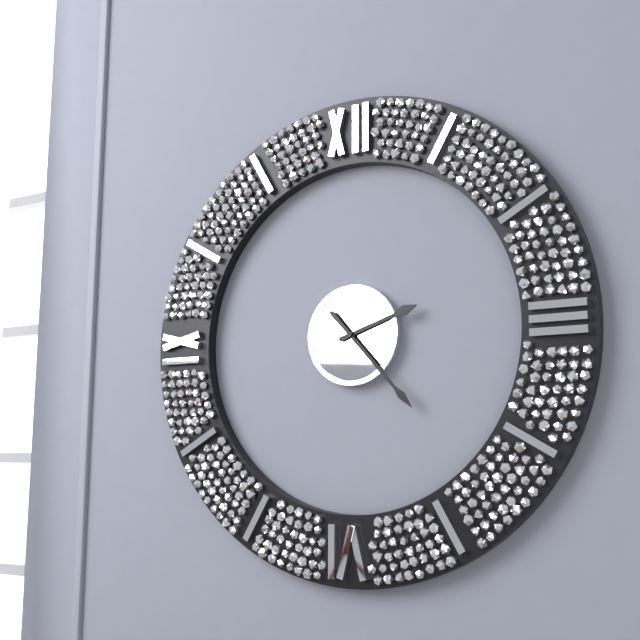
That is 2h23
